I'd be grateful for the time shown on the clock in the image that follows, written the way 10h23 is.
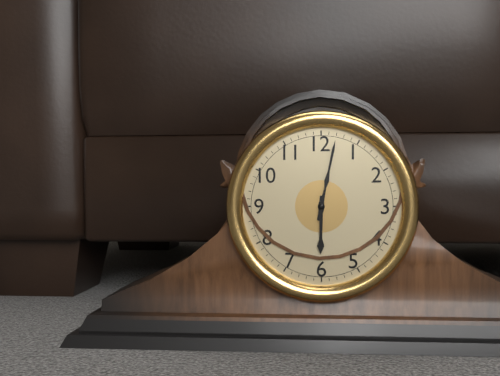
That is 6h02
